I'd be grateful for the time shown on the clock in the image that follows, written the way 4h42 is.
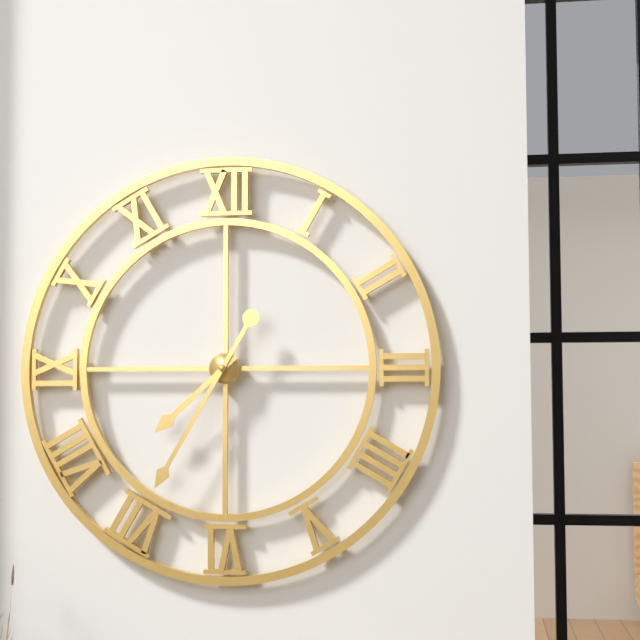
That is 7h35
